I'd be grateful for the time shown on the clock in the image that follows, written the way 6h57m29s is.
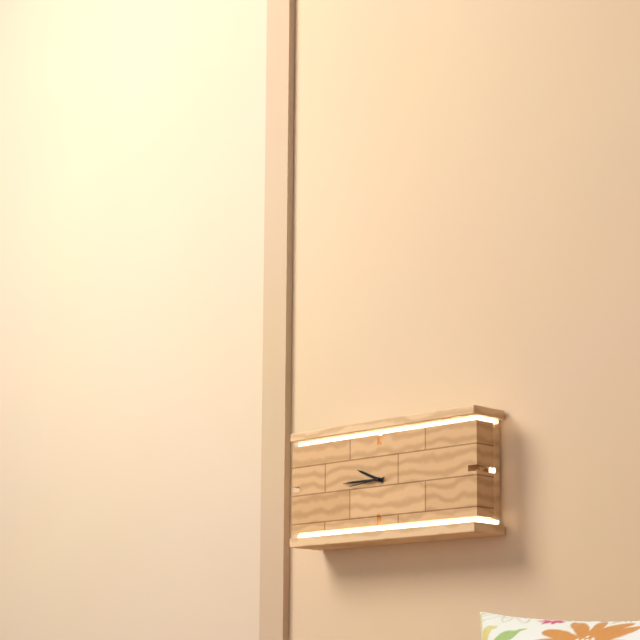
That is 9h45m44s
